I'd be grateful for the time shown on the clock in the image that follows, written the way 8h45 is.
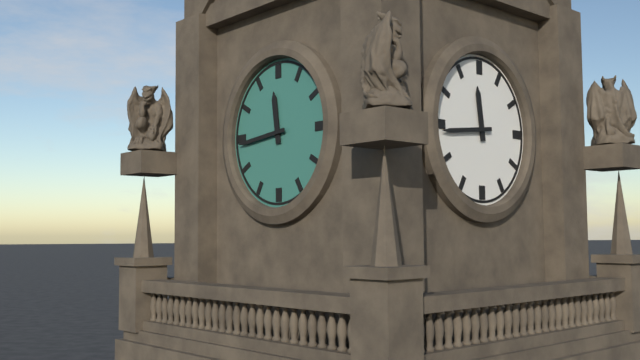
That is 11h44
